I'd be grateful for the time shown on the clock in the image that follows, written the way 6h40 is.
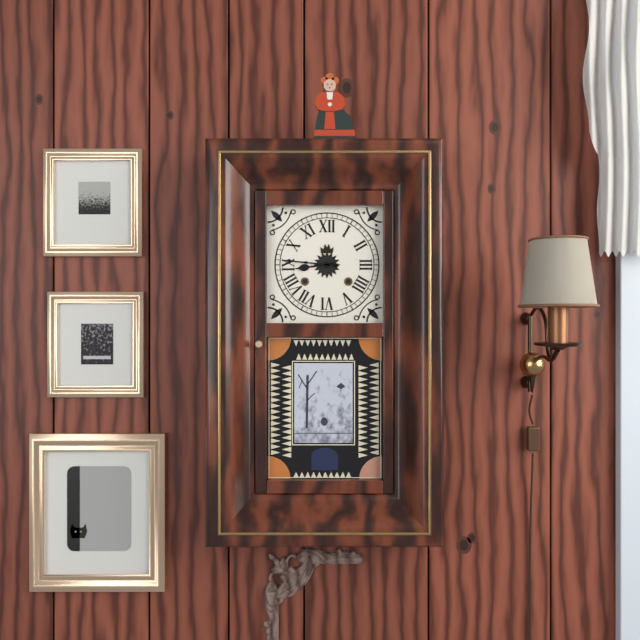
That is 8h46
